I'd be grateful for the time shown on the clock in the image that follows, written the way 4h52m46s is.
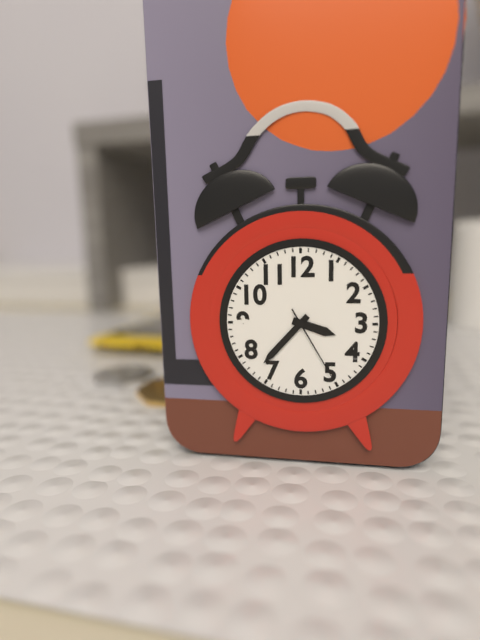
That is 3h37m25s
